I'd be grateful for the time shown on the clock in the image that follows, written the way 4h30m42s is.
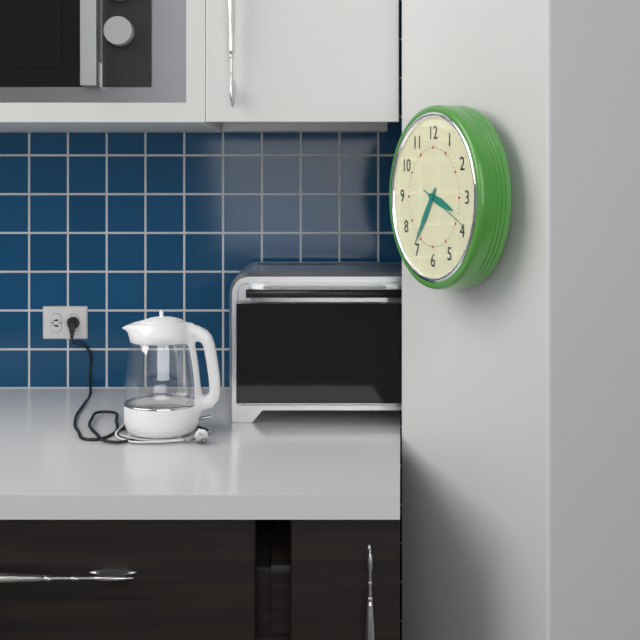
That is 3h36m19s
